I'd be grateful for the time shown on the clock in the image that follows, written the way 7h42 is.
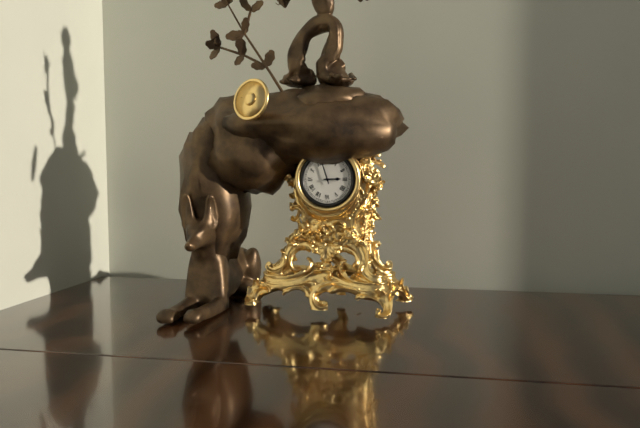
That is 2h57
